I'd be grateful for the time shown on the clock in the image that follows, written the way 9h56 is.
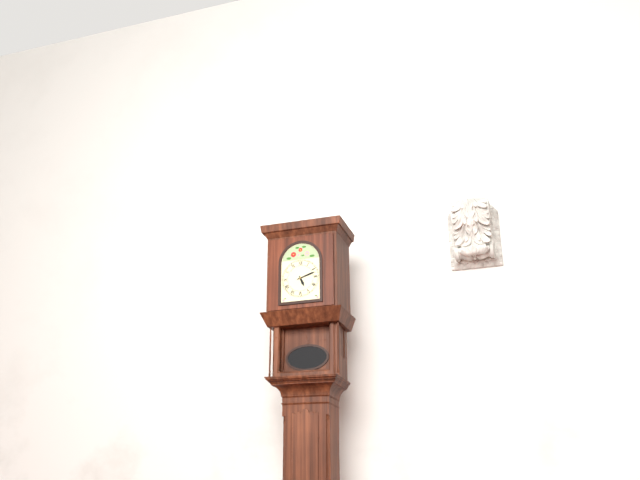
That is 5h12
